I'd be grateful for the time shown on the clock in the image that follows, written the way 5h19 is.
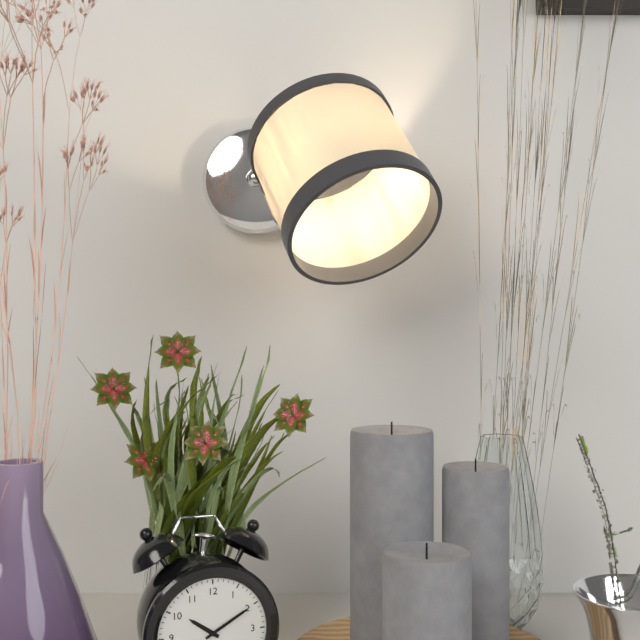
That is 10h10
